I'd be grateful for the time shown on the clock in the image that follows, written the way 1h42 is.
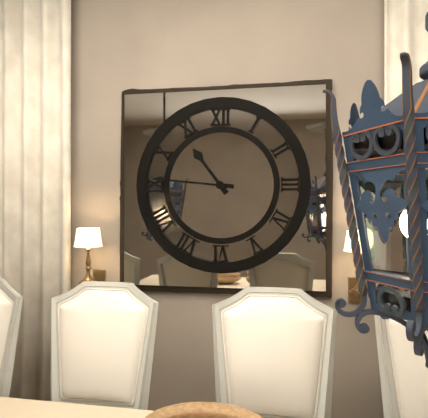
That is 10h46
